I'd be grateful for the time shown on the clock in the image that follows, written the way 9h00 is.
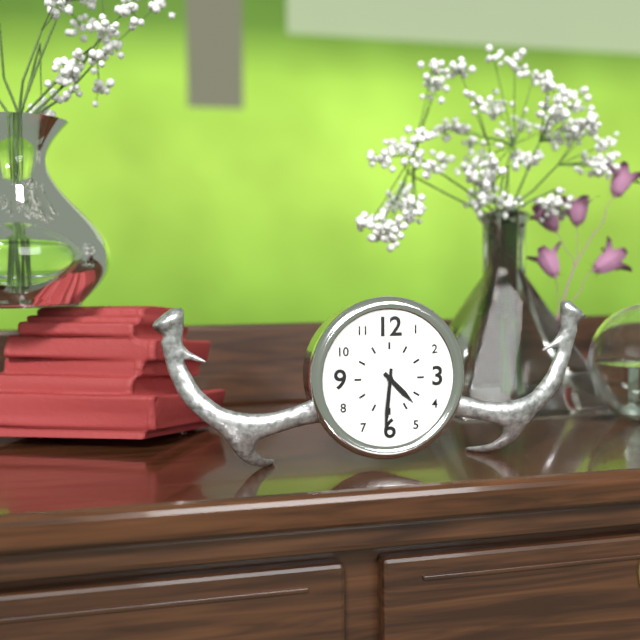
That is 4h31
